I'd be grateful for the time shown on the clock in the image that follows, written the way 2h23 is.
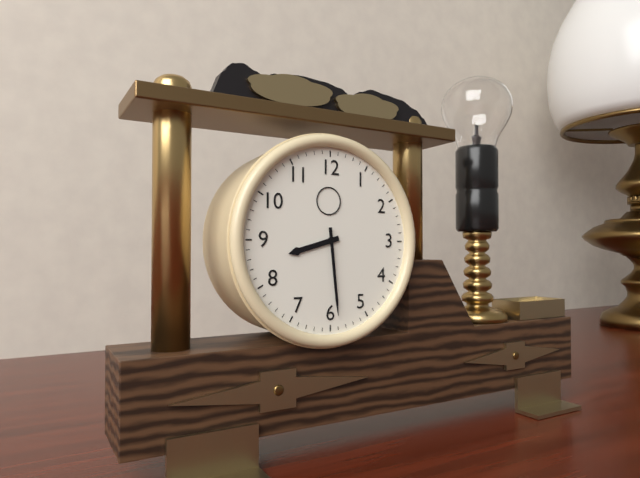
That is 8h29
